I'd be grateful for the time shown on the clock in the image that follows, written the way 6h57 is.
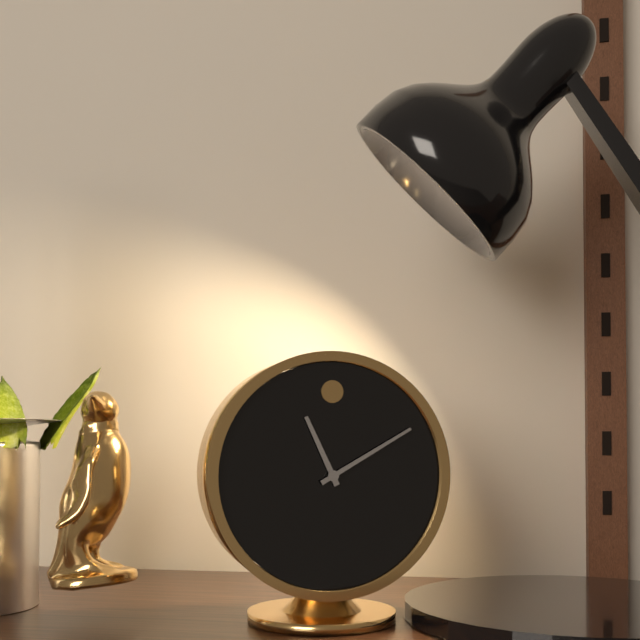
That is 11h10
